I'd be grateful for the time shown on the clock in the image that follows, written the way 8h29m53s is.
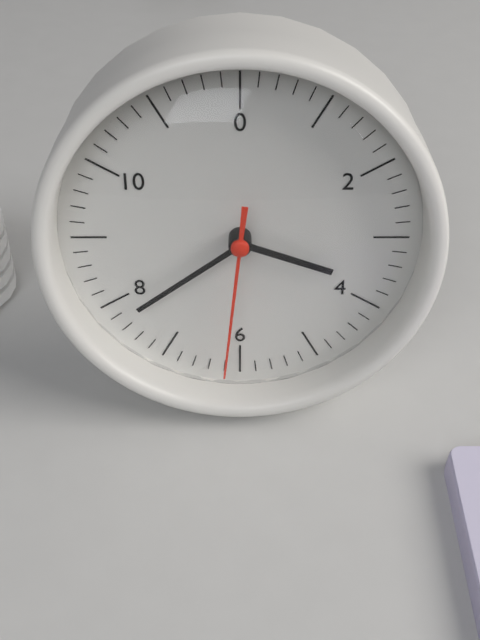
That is 3h39m31s
